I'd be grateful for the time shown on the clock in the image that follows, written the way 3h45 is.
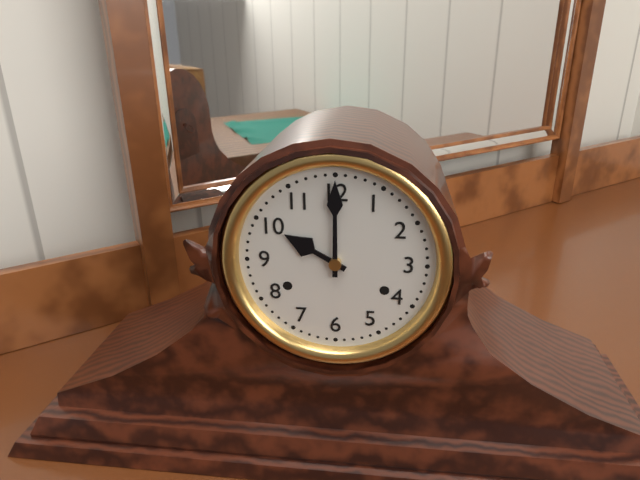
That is 10h00
